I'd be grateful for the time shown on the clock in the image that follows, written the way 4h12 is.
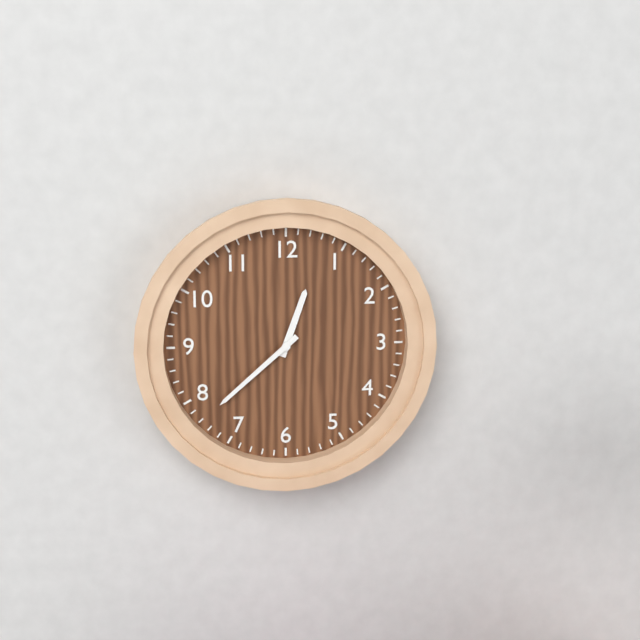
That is 12h38
